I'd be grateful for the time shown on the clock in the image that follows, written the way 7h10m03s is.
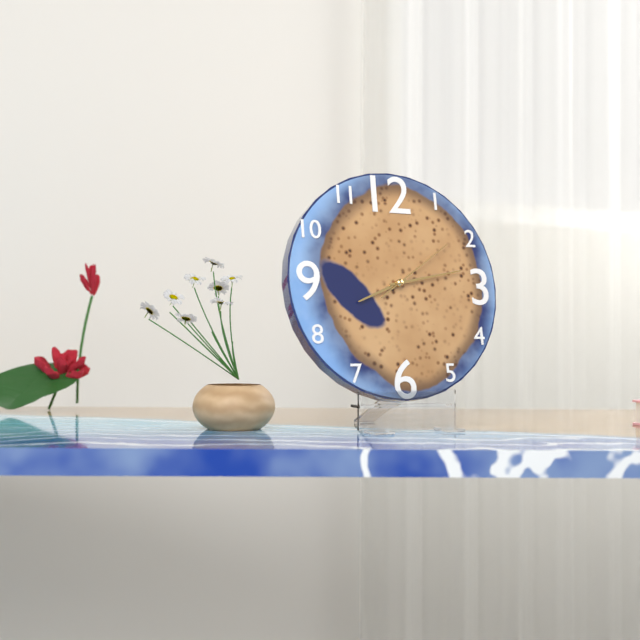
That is 8h13m09s
